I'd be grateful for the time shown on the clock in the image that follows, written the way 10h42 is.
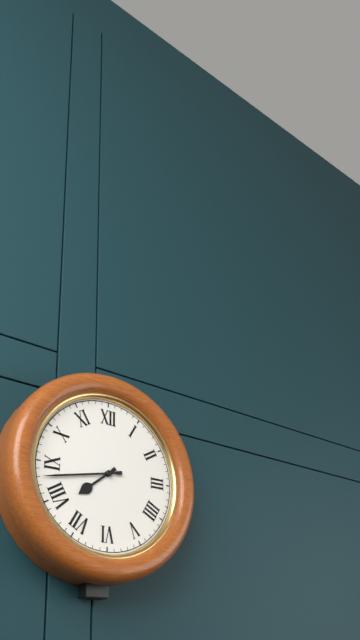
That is 7h43
